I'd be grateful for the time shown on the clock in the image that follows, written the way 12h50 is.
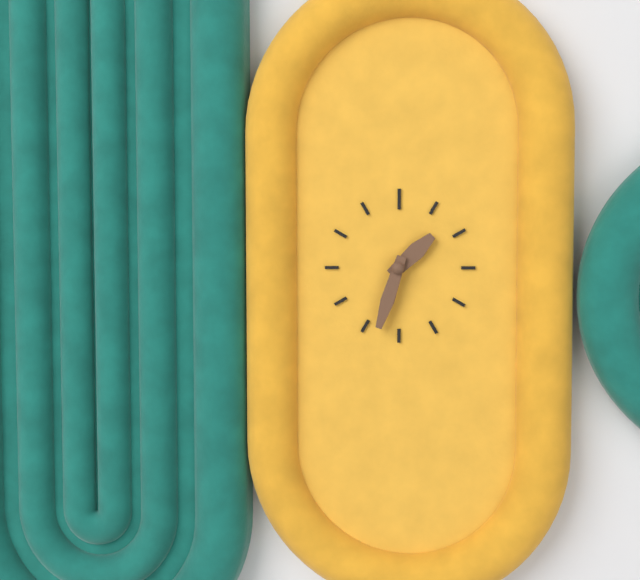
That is 1h33
